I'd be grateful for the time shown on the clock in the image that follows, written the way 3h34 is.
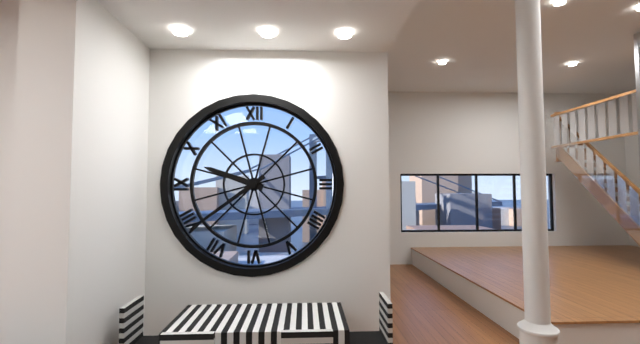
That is 9h39
